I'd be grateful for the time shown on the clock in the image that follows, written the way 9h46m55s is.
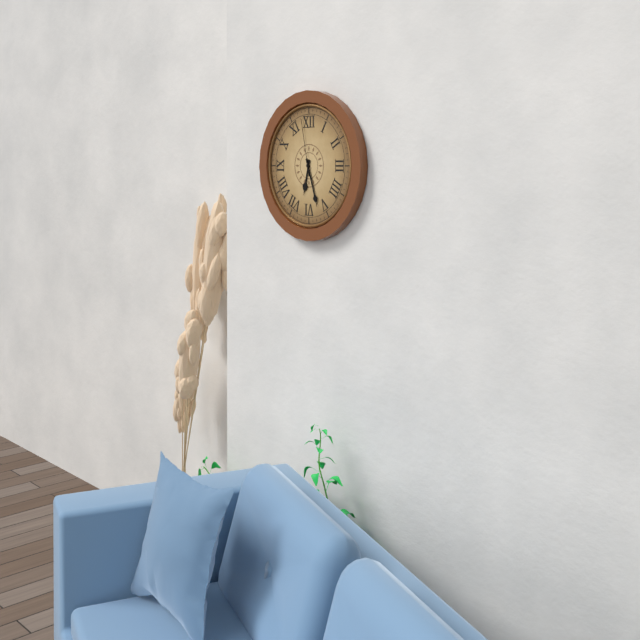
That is 6h27m58s
